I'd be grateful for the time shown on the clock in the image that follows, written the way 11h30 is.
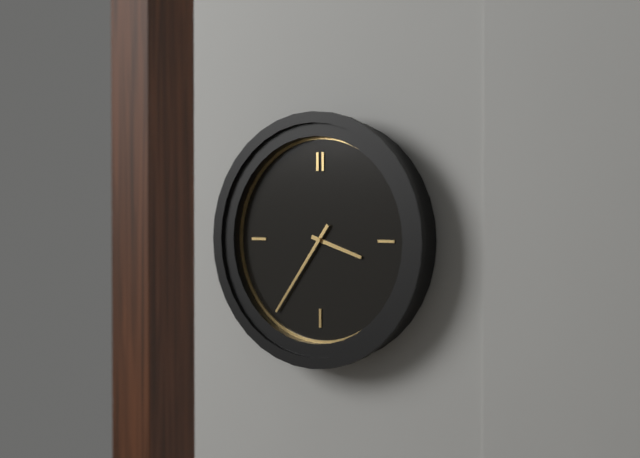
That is 3h36
